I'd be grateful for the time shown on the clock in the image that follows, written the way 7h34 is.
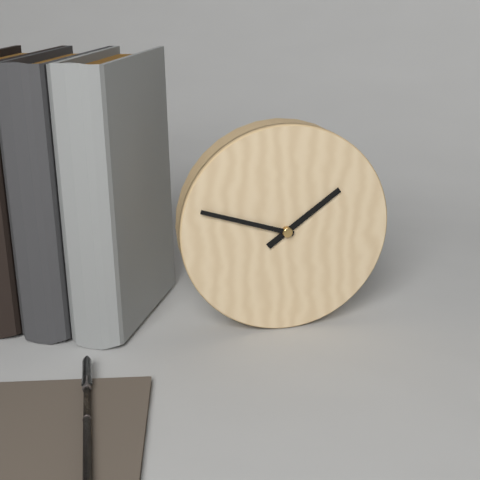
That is 1h48
